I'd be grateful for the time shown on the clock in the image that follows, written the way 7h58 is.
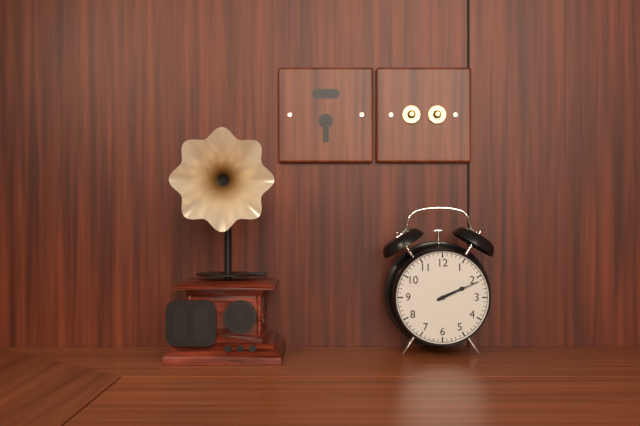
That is 2h11
